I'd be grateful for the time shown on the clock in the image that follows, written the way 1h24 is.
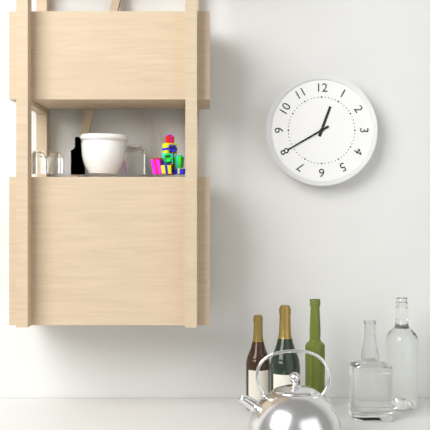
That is 12h40
